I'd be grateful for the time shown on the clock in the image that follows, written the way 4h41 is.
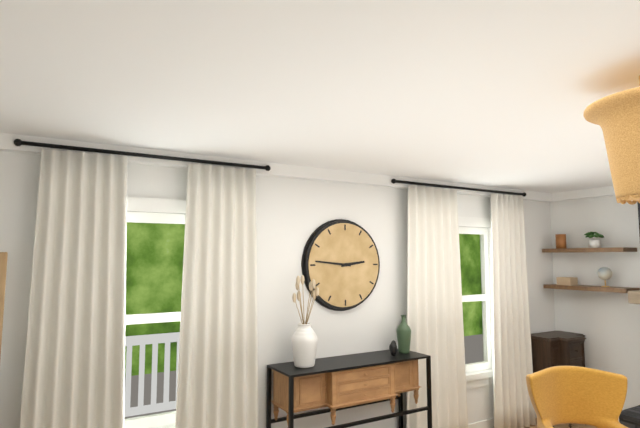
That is 2h46
